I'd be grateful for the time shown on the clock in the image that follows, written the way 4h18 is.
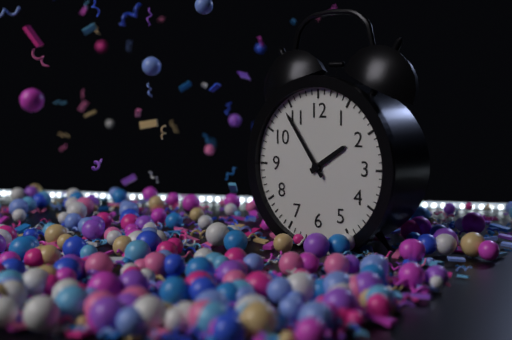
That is 1h54
